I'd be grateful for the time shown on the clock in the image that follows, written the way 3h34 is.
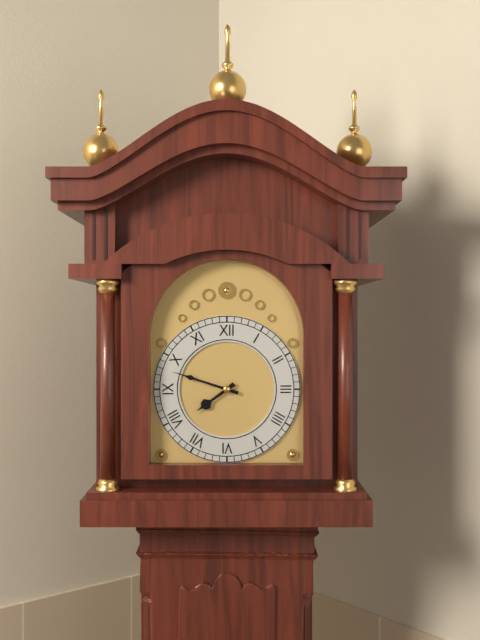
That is 7h48
